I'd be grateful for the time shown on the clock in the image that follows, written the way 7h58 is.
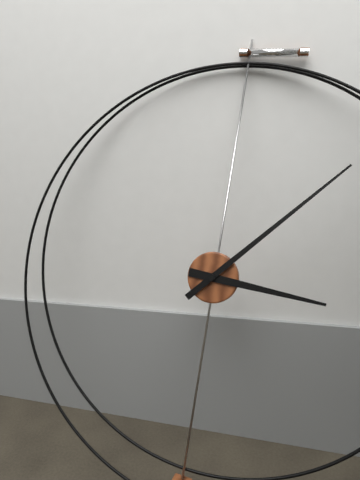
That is 3h07
